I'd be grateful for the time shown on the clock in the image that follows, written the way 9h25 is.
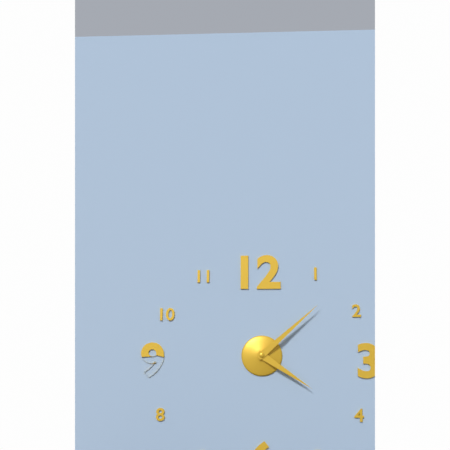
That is 4h08
